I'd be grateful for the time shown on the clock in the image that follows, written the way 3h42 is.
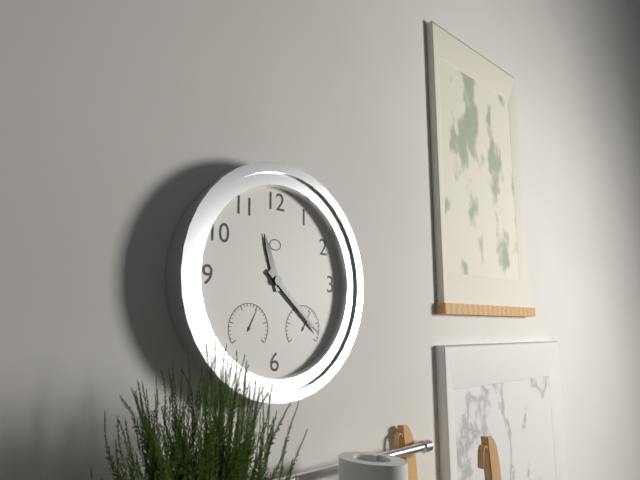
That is 11h22
